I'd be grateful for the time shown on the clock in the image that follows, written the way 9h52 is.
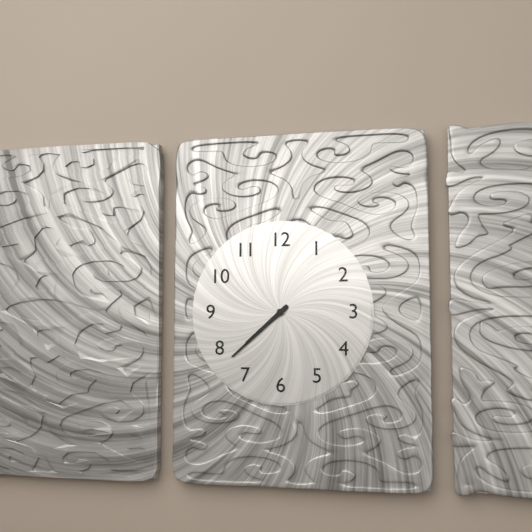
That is 7h38
